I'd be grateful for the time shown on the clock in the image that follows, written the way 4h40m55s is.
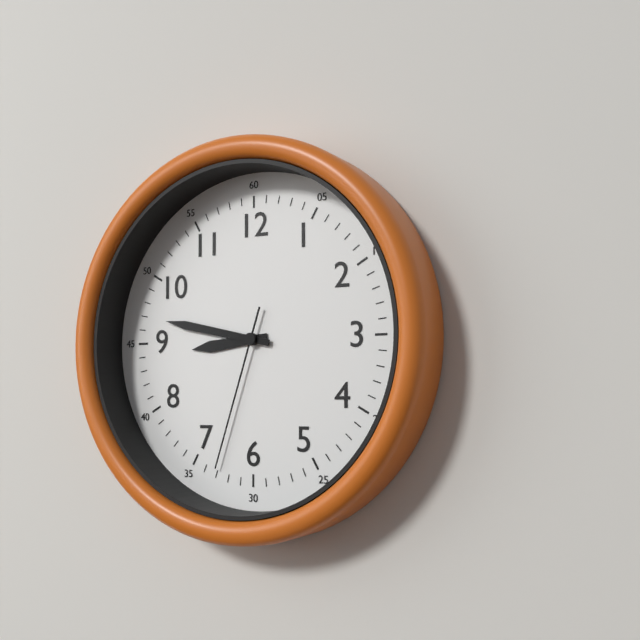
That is 8h47m33s
